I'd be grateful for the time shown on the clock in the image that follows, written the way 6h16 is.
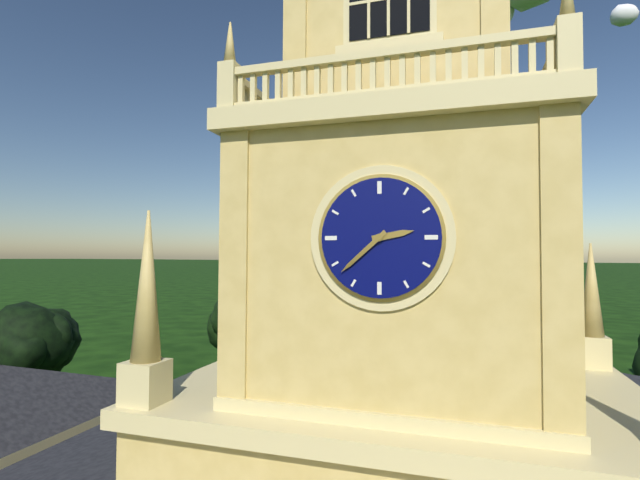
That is 2h38
